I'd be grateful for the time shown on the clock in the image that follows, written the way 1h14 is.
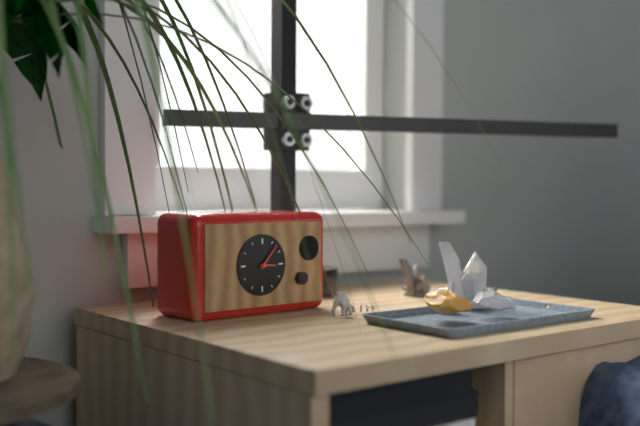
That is 3h07
